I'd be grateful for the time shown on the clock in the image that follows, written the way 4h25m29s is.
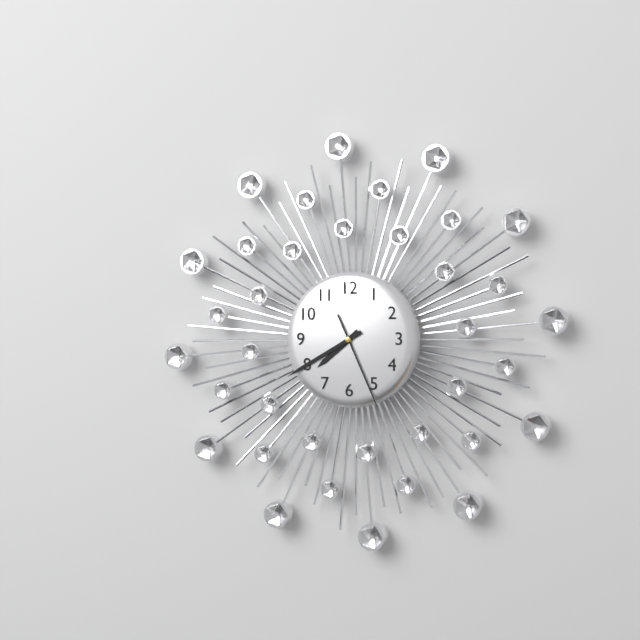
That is 7h40m26s
